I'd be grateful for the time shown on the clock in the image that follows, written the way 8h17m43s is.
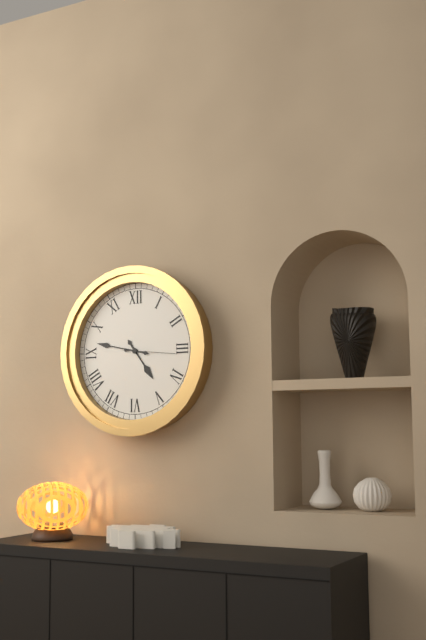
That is 4h47m16s
